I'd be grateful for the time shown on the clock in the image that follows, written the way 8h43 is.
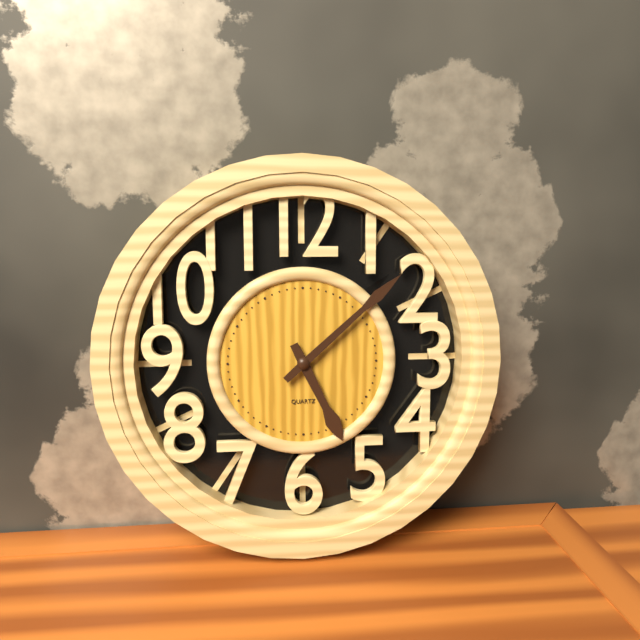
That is 5h08
